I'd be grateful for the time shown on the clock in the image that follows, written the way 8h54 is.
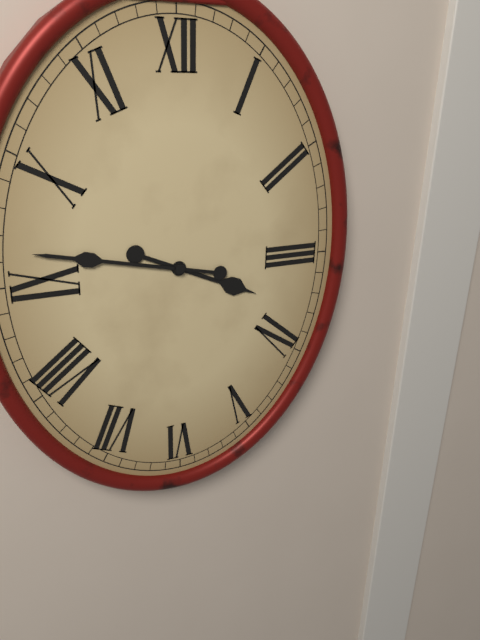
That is 3h47
